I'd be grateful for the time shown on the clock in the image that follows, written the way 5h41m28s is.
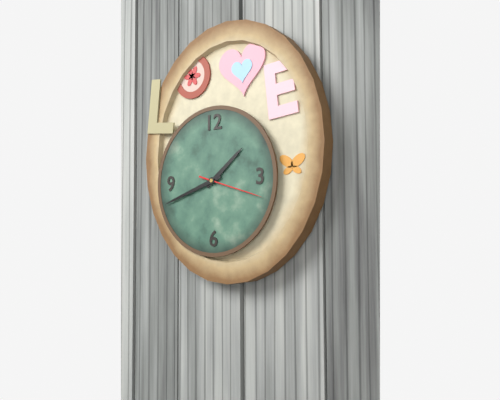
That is 1h42m18s
